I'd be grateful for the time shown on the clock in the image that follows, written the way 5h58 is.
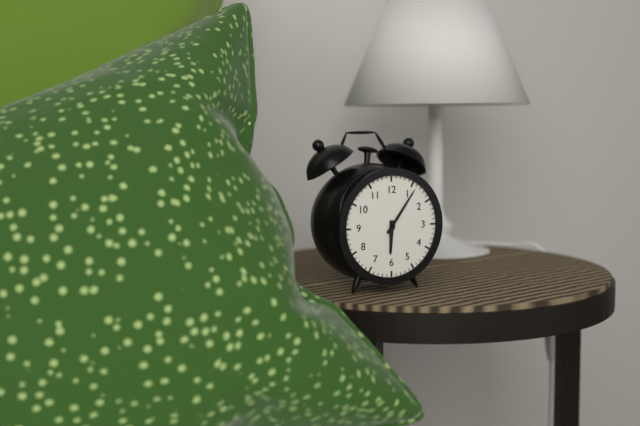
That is 6h06
